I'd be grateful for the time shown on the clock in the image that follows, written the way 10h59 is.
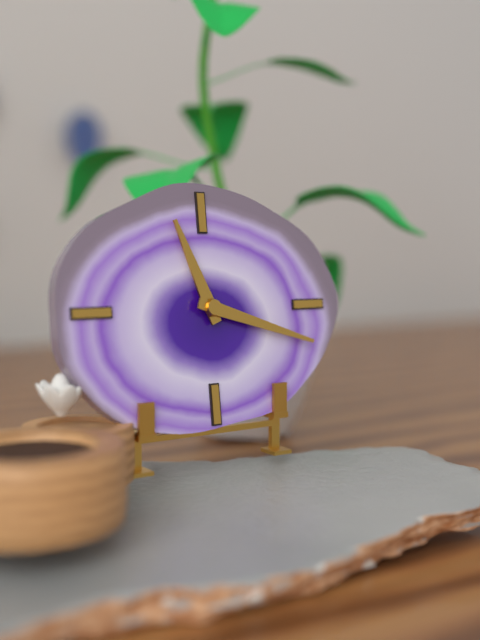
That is 11h18
